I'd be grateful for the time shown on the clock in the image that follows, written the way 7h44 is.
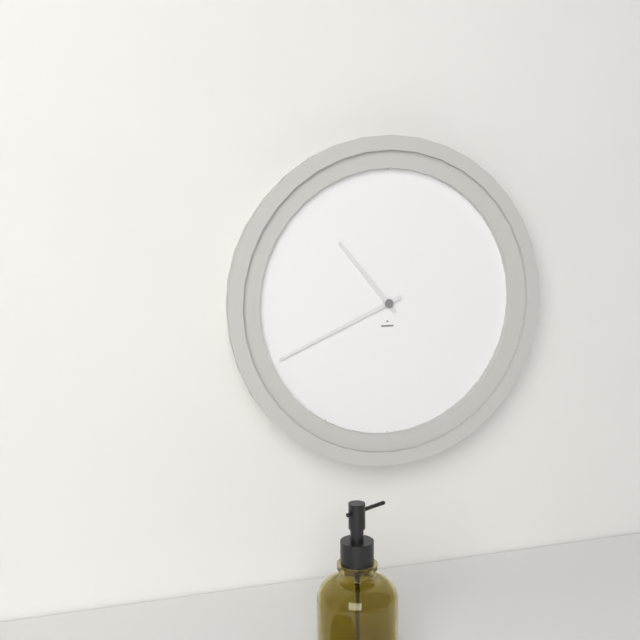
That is 10h41
